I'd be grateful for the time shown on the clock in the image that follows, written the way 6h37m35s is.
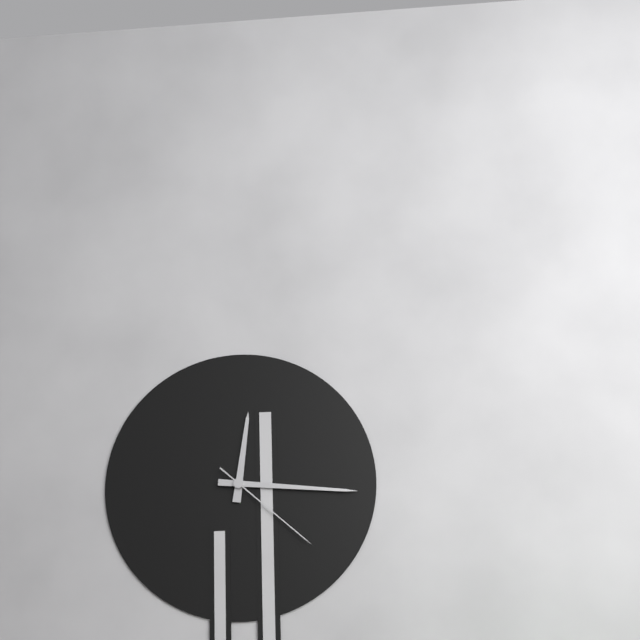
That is 12h16m22s
